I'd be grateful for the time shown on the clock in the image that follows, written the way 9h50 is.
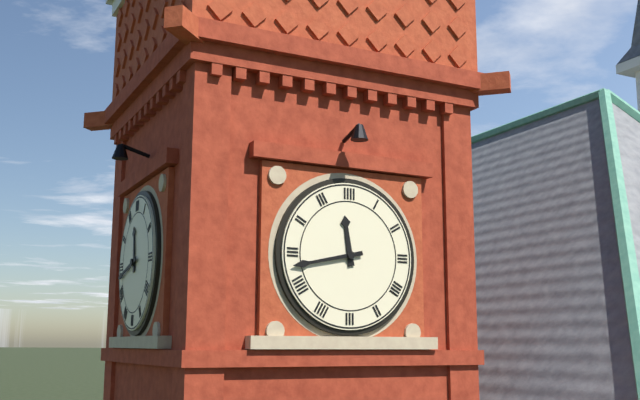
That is 11h43
